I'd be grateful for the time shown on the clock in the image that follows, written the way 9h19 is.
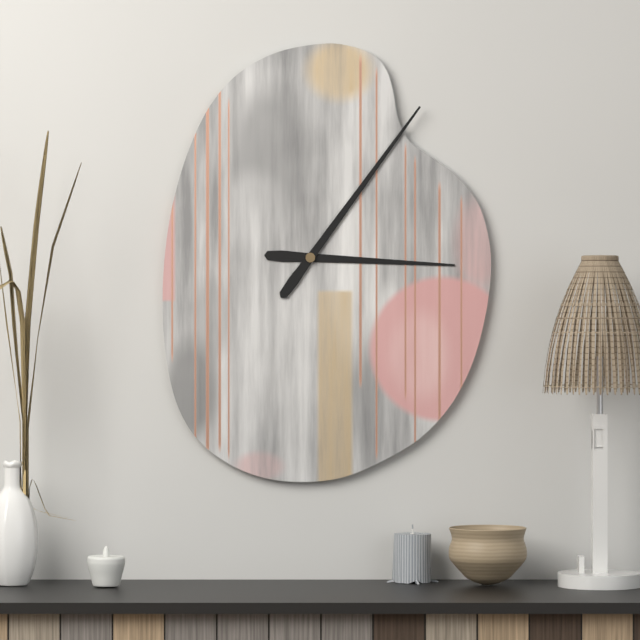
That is 3h06
